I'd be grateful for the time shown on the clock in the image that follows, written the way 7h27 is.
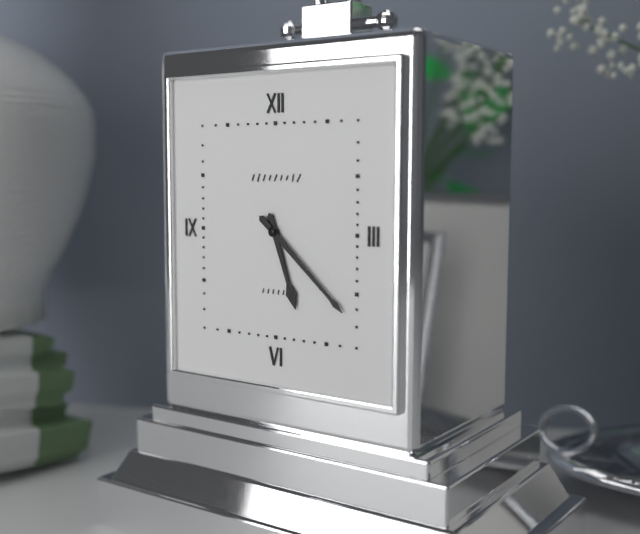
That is 5h22
